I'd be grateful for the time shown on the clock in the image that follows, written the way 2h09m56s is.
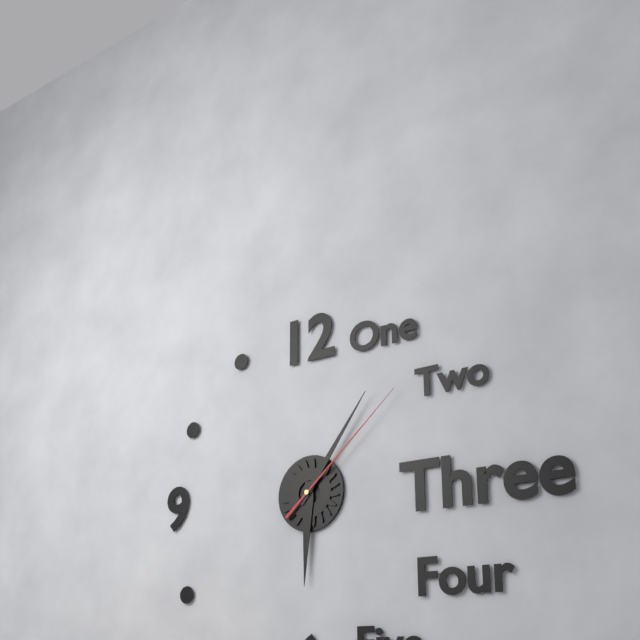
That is 6h06m08s
